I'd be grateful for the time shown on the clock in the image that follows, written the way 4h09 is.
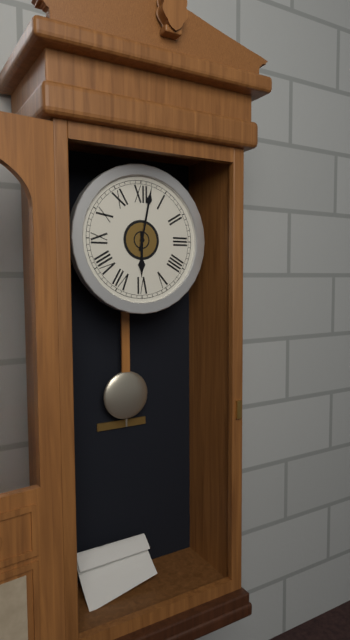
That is 6h02
